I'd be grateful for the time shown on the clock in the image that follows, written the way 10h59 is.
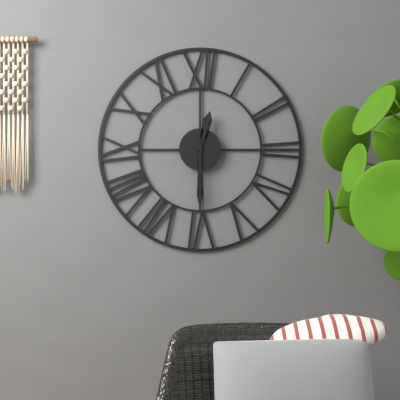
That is 12h30
